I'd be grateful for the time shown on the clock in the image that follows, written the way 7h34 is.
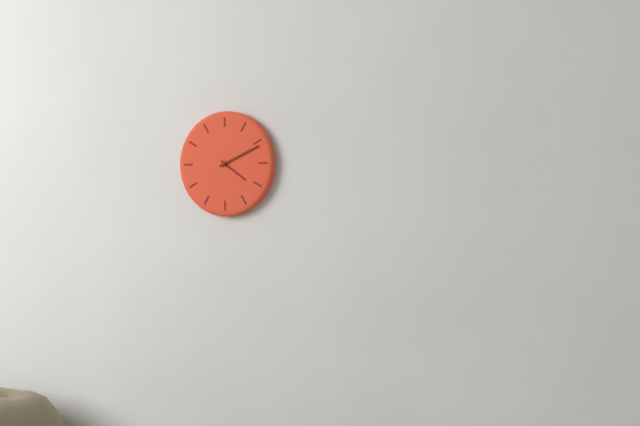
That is 4h11
